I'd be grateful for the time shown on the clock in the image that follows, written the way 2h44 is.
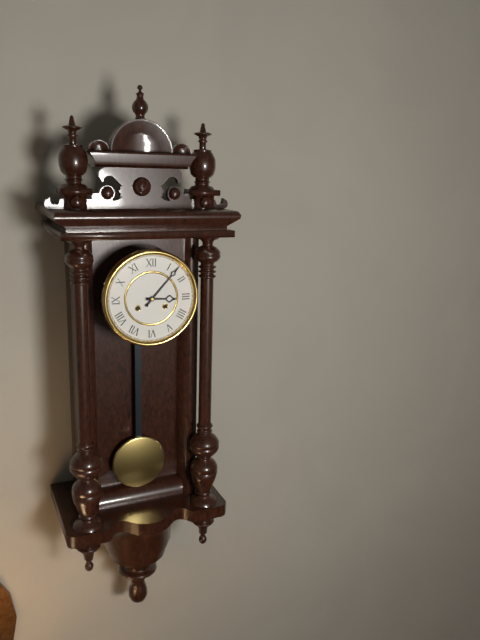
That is 3h07
